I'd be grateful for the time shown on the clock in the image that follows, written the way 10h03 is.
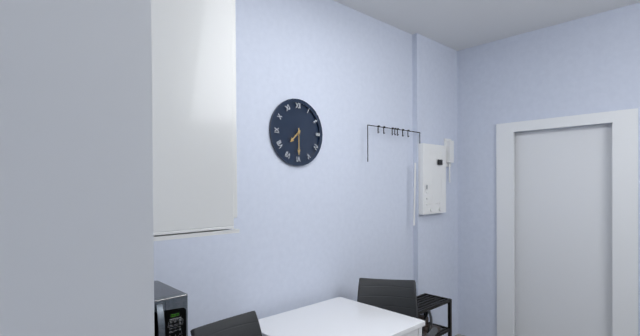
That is 7h30
